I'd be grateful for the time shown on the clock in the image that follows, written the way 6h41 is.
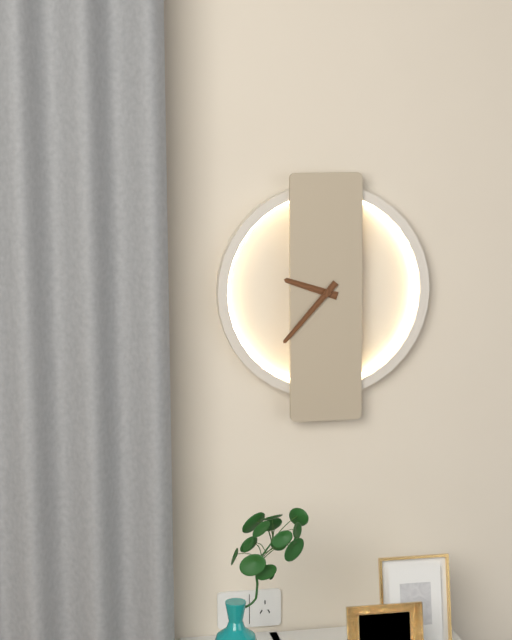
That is 9h37
